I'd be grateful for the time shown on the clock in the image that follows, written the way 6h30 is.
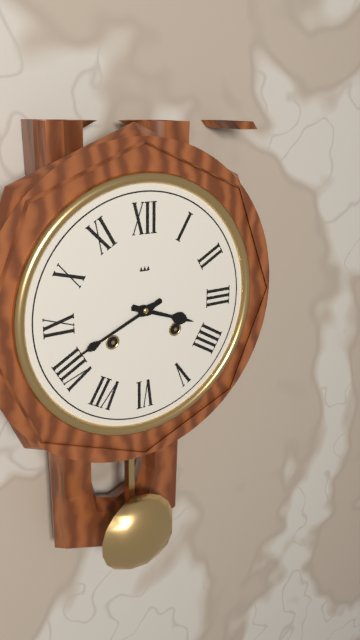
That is 3h41
